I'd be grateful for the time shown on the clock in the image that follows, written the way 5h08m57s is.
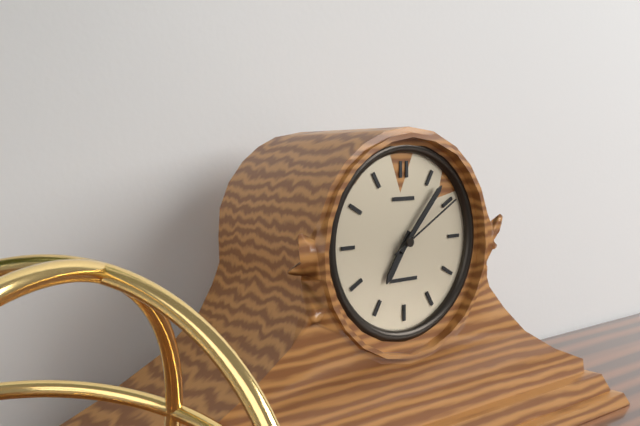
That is 7h07m10s
